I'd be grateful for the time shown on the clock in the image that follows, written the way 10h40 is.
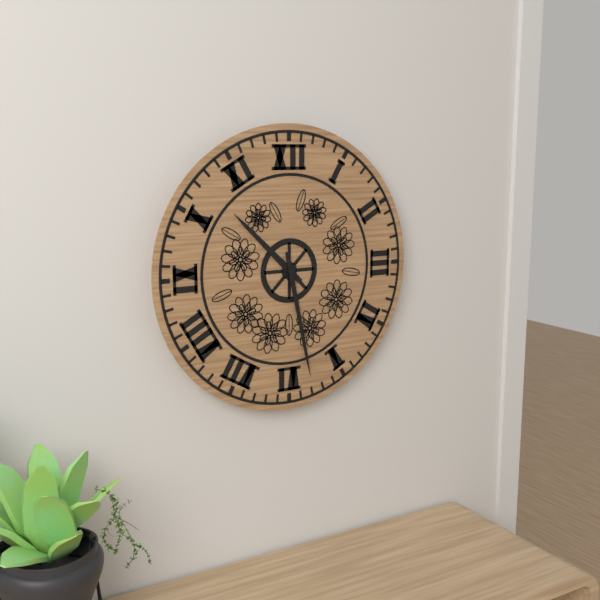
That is 10h28
